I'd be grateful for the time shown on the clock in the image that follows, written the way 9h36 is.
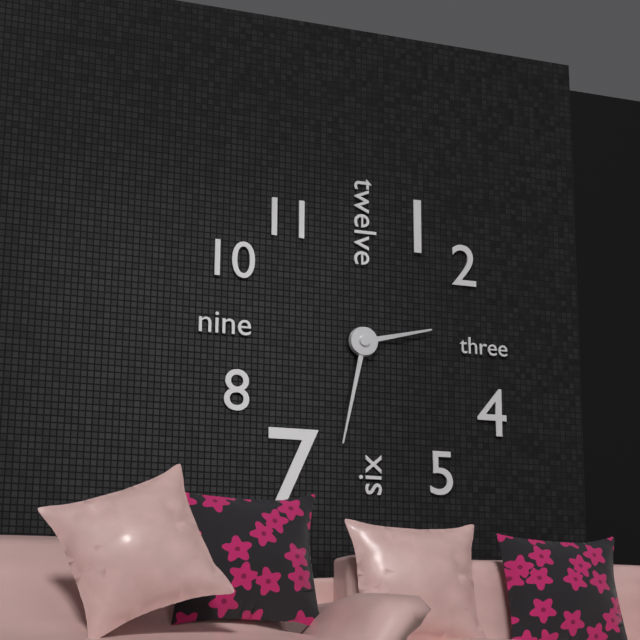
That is 2h32
